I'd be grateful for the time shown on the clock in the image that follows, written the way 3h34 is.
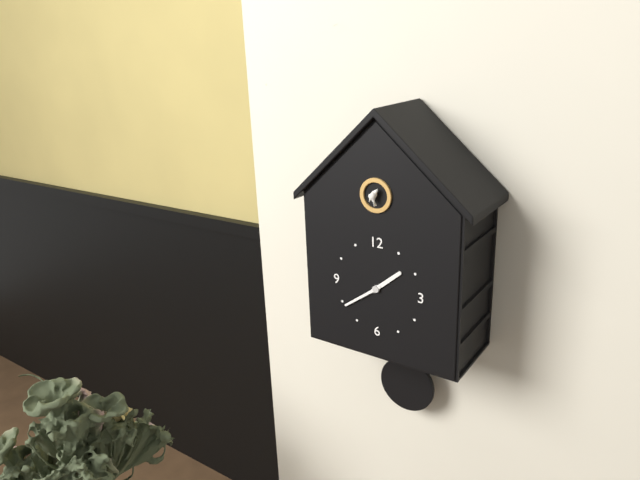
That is 1h39
